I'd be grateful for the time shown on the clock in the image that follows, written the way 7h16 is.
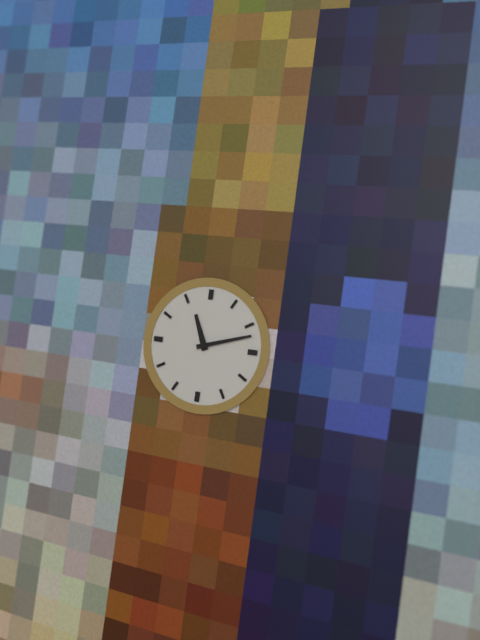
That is 11h12
